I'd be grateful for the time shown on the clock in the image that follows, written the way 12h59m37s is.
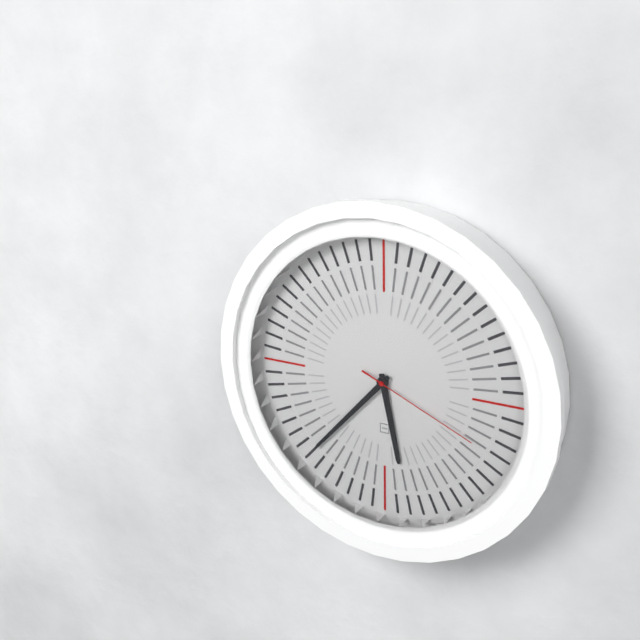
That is 5h37m19s
